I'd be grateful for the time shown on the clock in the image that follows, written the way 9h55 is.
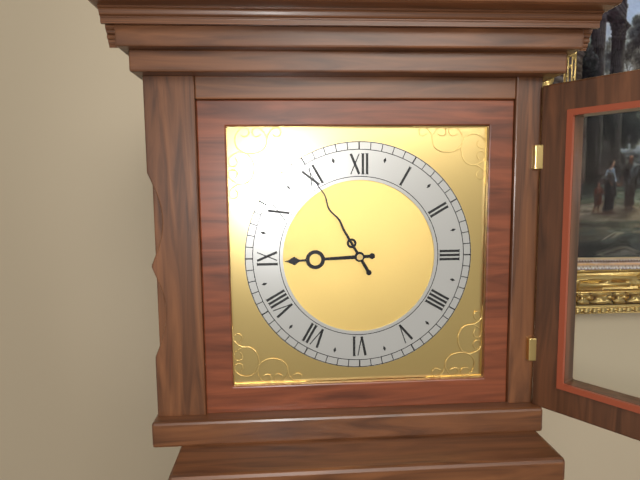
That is 8h55
